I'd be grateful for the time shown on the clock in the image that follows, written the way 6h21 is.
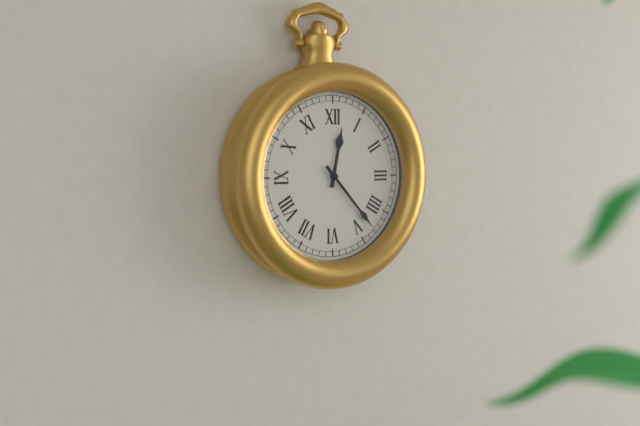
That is 12h23
